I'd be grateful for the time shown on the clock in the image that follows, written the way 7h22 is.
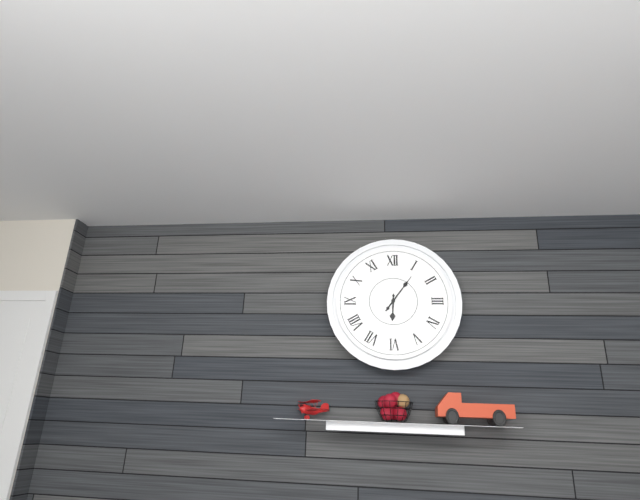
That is 6h06
